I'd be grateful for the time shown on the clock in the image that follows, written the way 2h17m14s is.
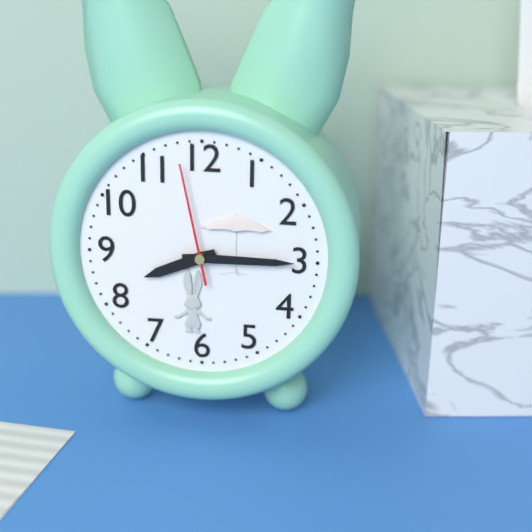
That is 8h15m58s
